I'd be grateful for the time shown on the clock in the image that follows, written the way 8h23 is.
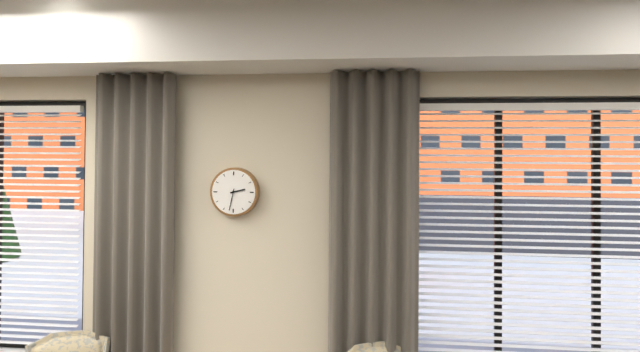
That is 2h32
